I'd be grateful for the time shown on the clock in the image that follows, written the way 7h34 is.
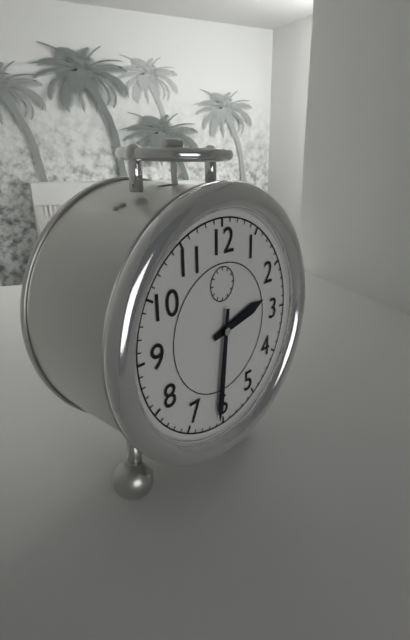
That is 2h31
